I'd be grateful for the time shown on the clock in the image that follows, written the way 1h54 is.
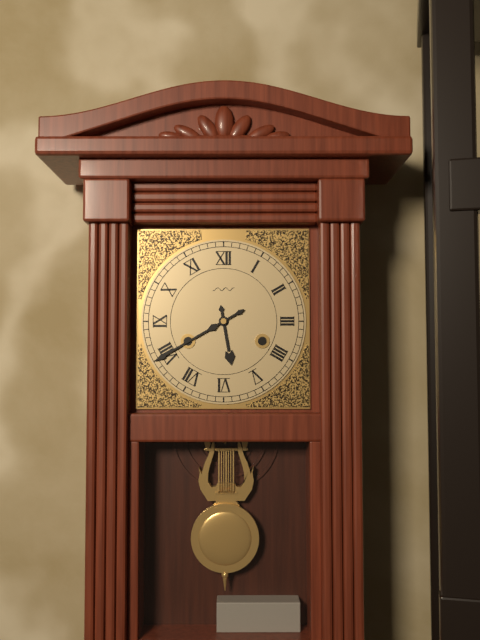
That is 5h40
